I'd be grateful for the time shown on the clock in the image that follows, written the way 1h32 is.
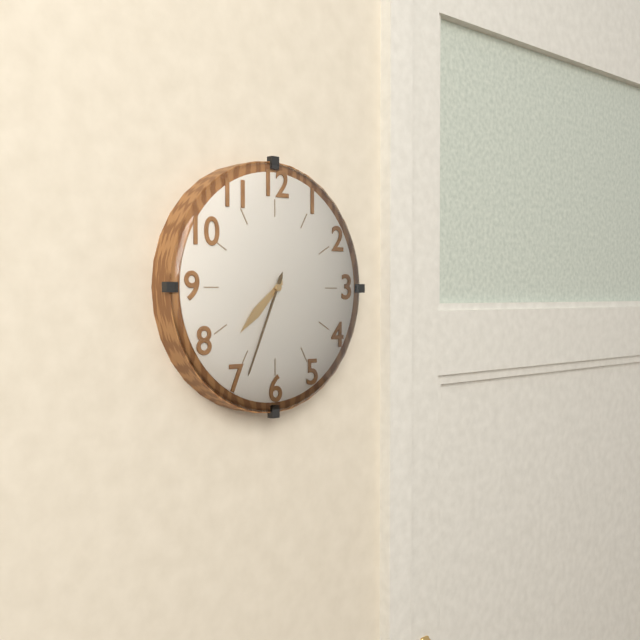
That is 7h34
